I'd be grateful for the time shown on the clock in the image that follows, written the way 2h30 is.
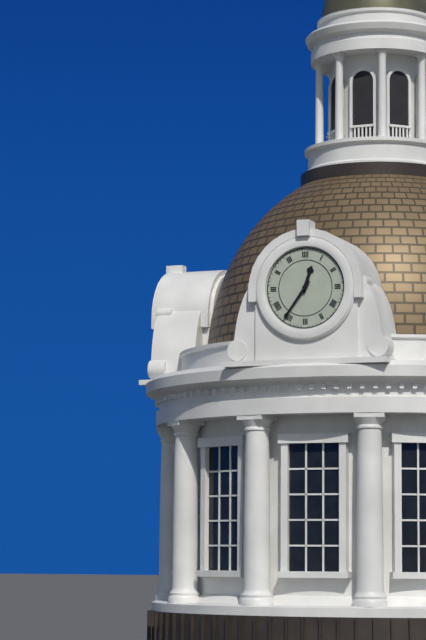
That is 12h36
